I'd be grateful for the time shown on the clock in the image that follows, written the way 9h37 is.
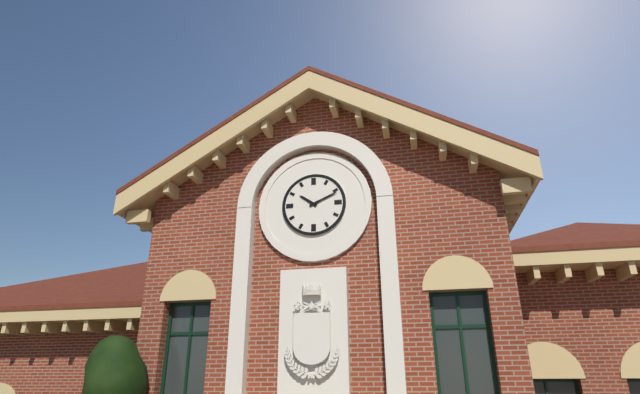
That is 10h11
